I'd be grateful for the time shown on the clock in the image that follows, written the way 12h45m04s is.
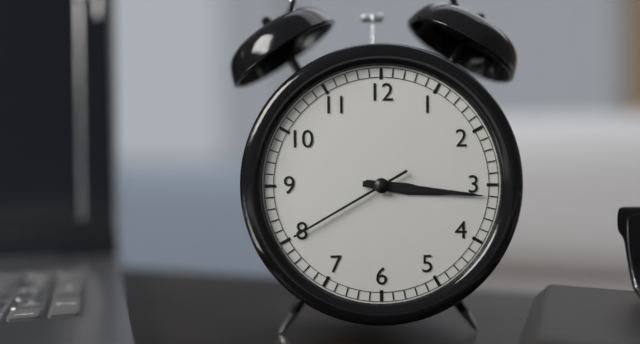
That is 3h16m40s
